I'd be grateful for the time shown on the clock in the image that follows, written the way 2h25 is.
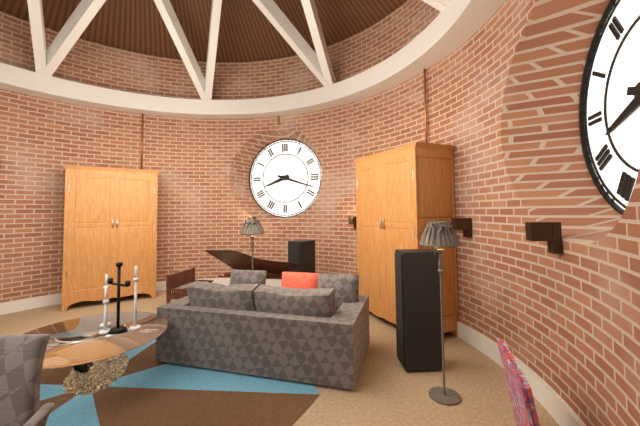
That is 8h18
